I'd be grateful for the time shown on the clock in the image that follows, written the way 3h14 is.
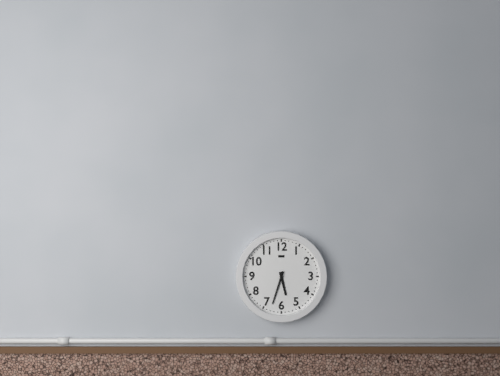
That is 5h33
